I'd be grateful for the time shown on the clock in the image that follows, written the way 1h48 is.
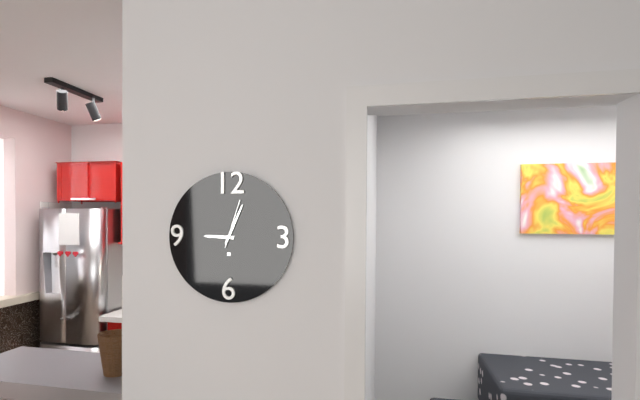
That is 9h04
